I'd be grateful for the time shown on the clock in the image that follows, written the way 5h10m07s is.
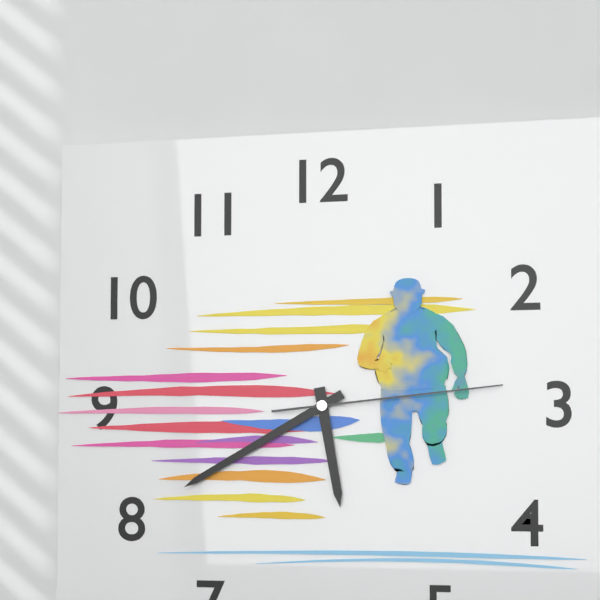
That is 5h40m14s
